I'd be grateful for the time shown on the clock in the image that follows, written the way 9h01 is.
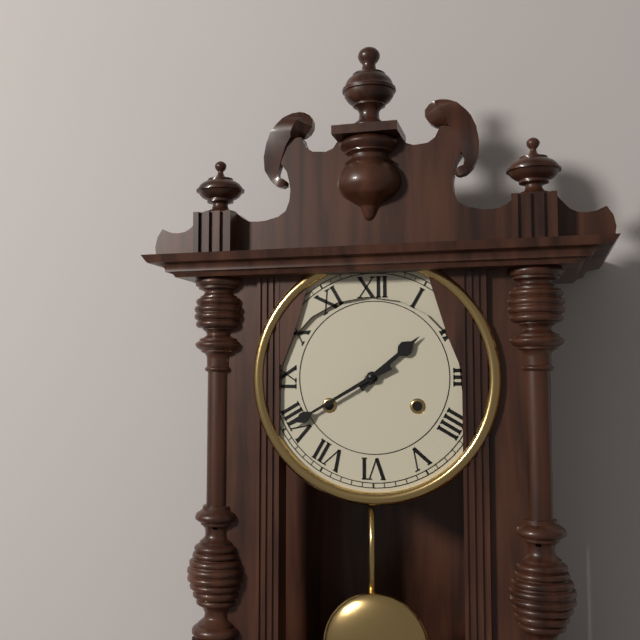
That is 1h40
